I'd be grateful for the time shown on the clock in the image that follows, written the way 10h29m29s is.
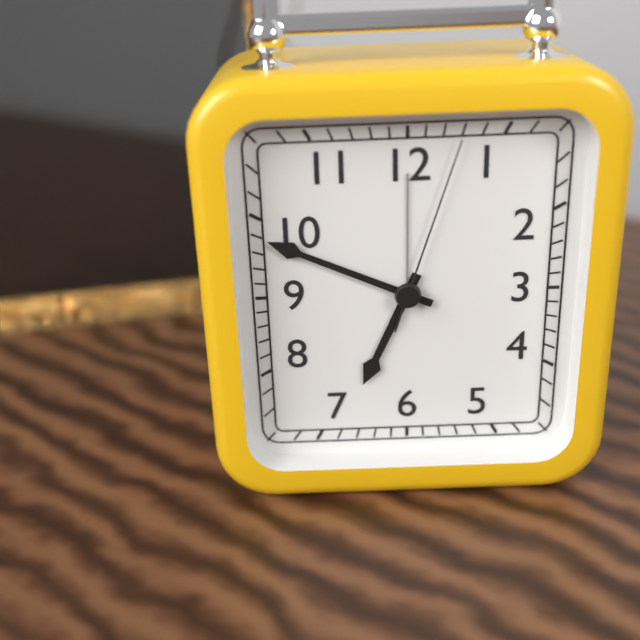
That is 6h49m03s
